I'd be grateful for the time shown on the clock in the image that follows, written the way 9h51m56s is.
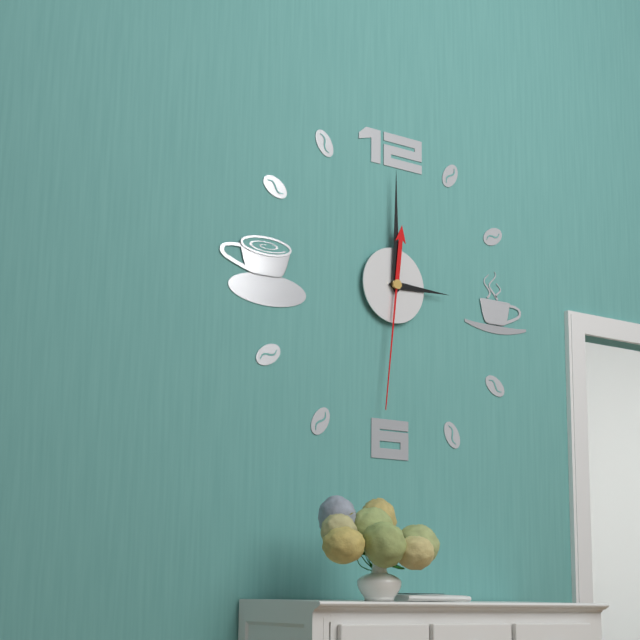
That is 3h00m31s
